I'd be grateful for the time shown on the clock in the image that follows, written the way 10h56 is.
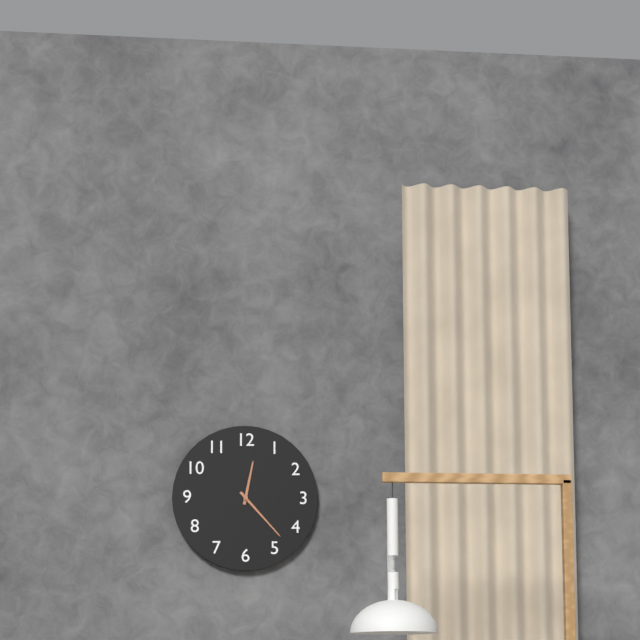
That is 12h23
